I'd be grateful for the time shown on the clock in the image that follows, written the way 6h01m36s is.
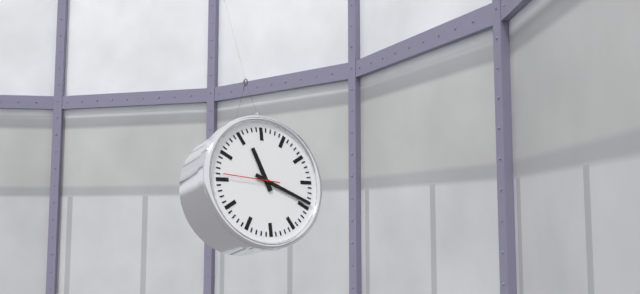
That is 11h19m46s
